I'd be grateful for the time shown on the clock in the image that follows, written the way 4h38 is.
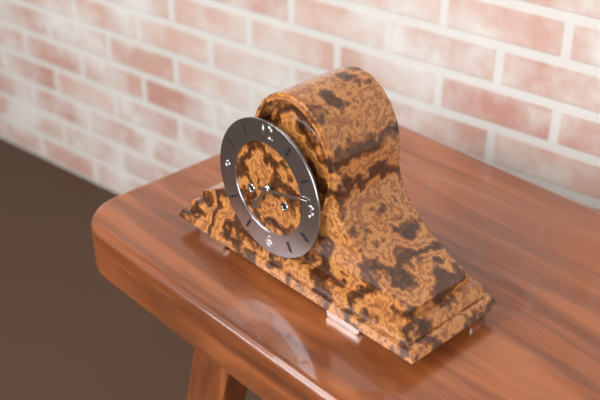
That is 7h13
